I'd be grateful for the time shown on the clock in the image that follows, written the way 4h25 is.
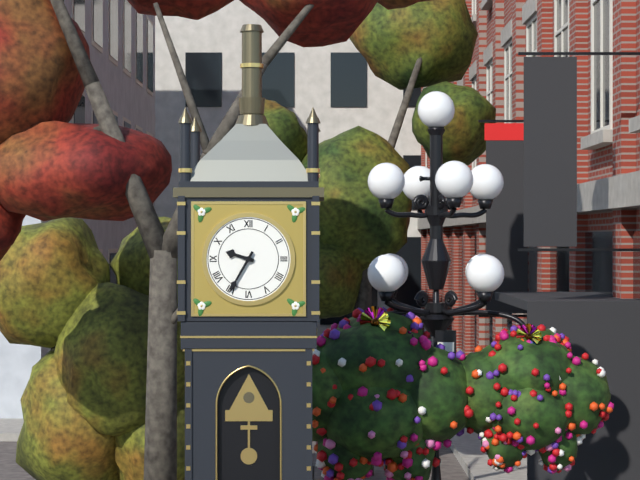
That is 9h35
